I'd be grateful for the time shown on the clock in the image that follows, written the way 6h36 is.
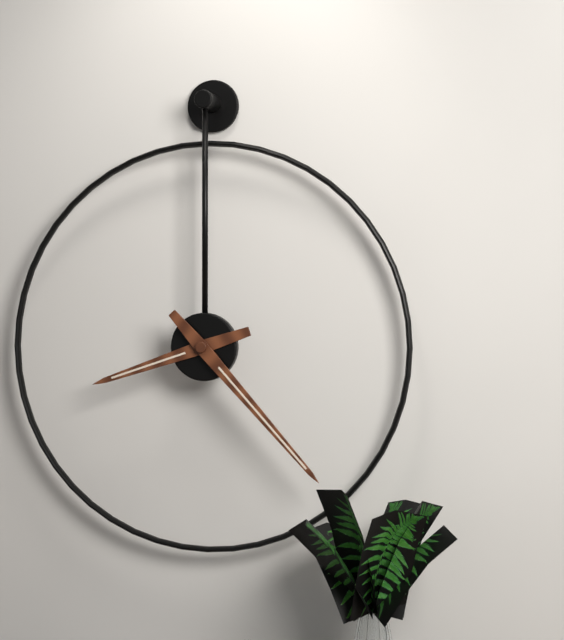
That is 8h23
